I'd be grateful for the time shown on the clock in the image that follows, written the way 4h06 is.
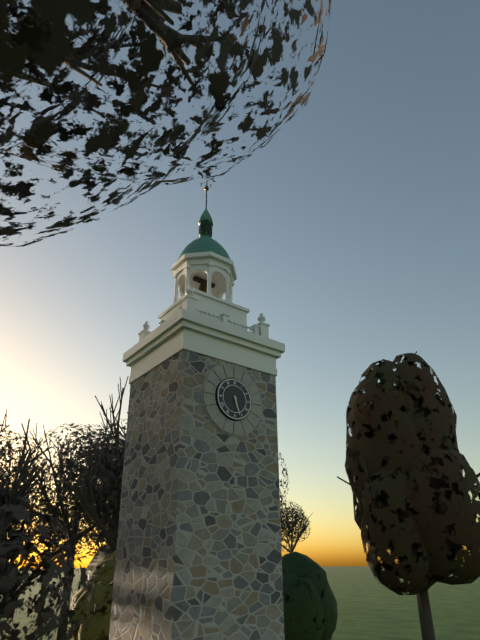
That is 5h27
